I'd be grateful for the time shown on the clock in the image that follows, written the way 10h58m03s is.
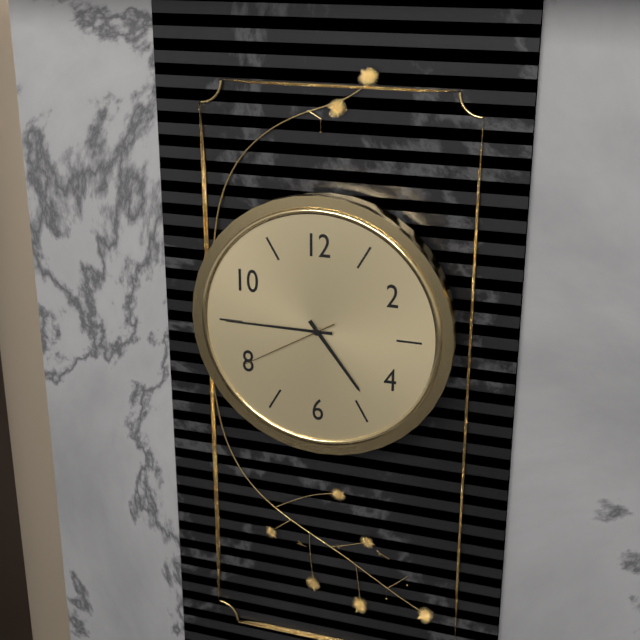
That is 4h45m40s
